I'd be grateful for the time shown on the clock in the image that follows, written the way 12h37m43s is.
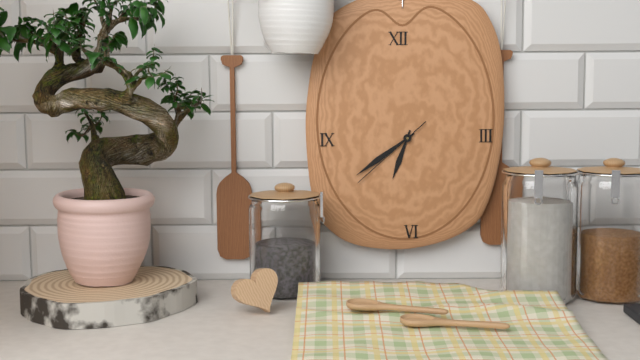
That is 6h39m38s
